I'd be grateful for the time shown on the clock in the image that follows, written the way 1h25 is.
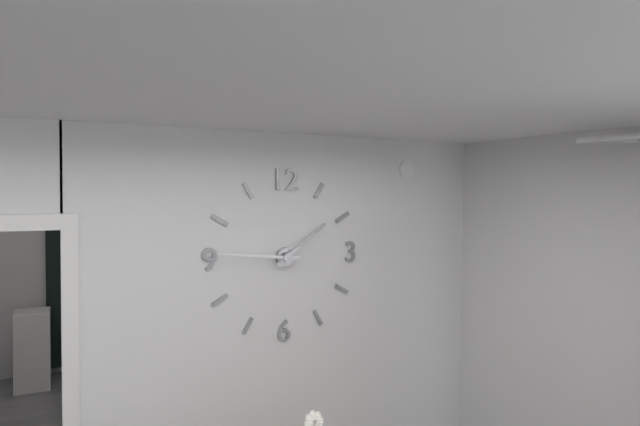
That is 1h46
